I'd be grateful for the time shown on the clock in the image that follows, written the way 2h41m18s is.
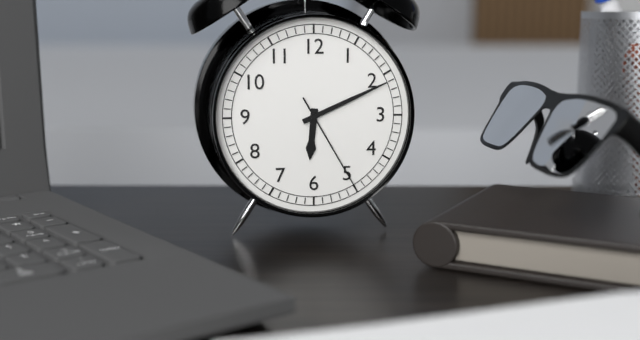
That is 6h11m25s
